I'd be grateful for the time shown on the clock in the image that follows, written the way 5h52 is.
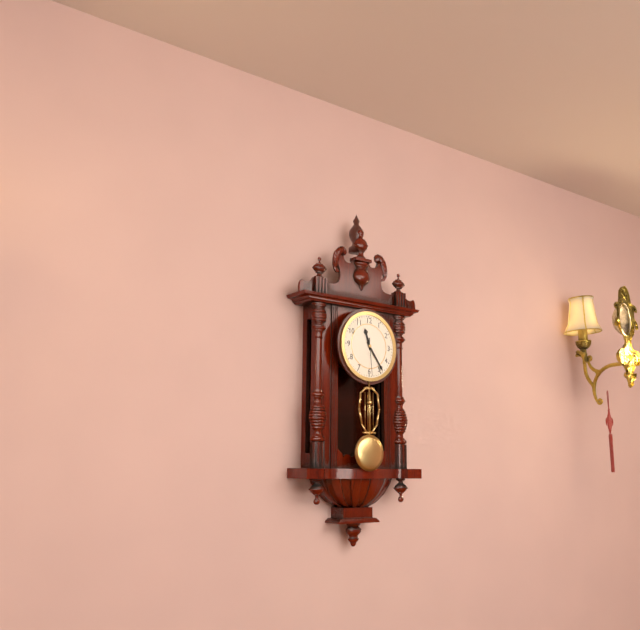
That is 11h24
